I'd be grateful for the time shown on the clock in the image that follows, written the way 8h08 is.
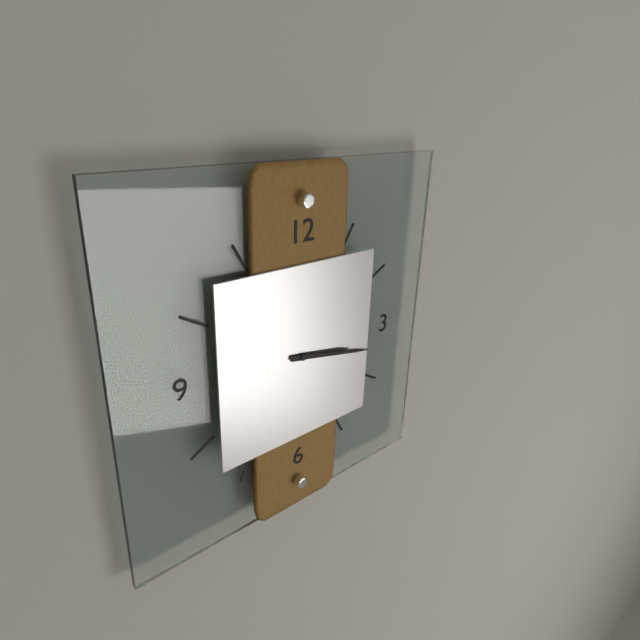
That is 3h17
